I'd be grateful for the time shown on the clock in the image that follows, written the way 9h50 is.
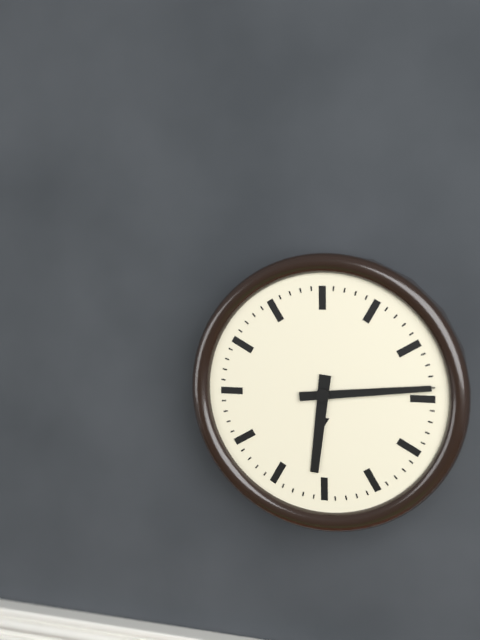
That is 6h14
